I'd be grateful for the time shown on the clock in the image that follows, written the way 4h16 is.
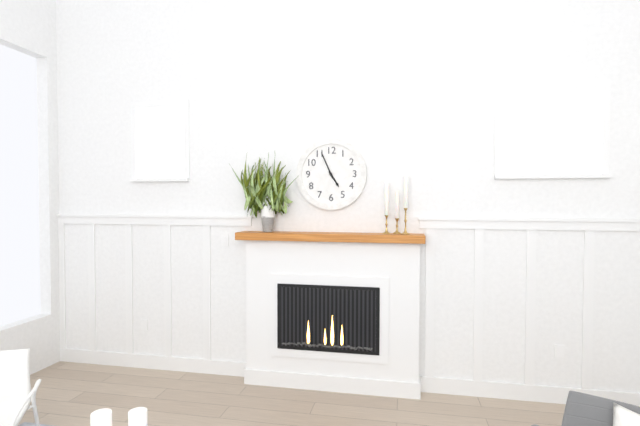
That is 4h56
